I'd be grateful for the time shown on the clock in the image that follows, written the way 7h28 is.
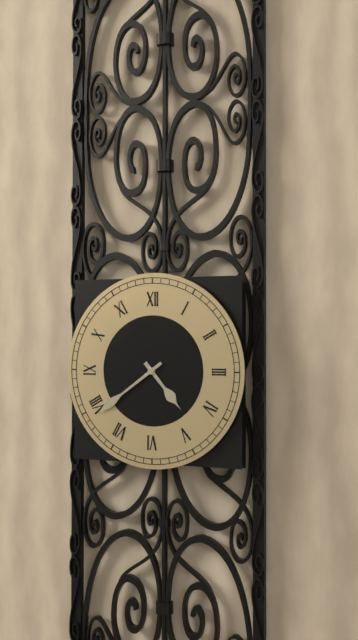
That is 4h39
